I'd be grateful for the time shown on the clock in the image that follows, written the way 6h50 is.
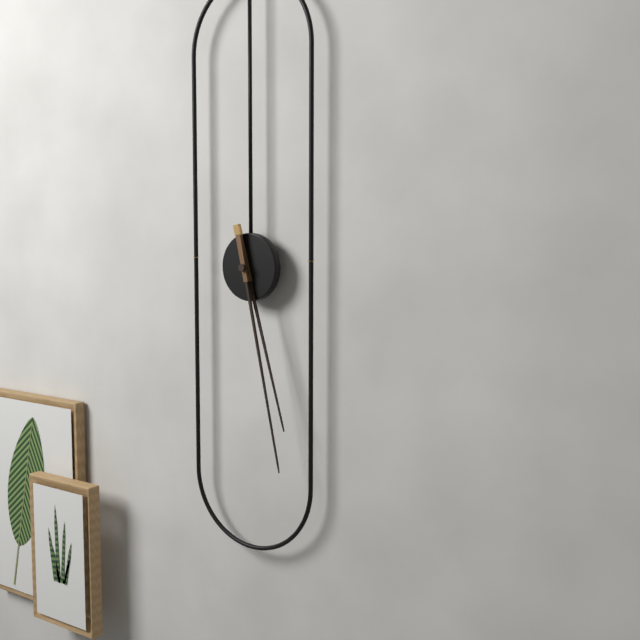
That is 5h28
